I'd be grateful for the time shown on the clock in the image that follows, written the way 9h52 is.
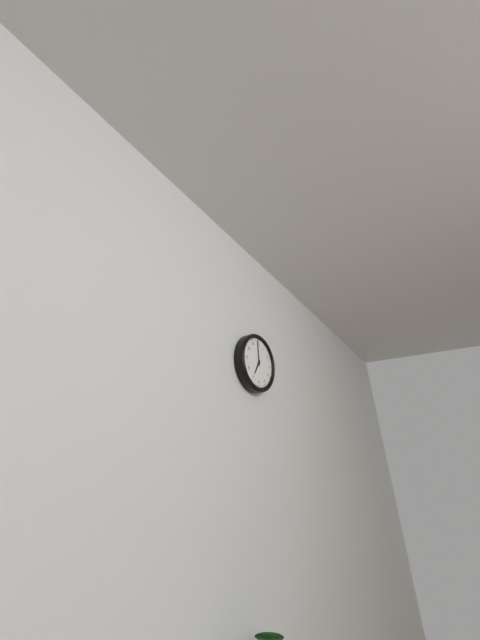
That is 6h59
